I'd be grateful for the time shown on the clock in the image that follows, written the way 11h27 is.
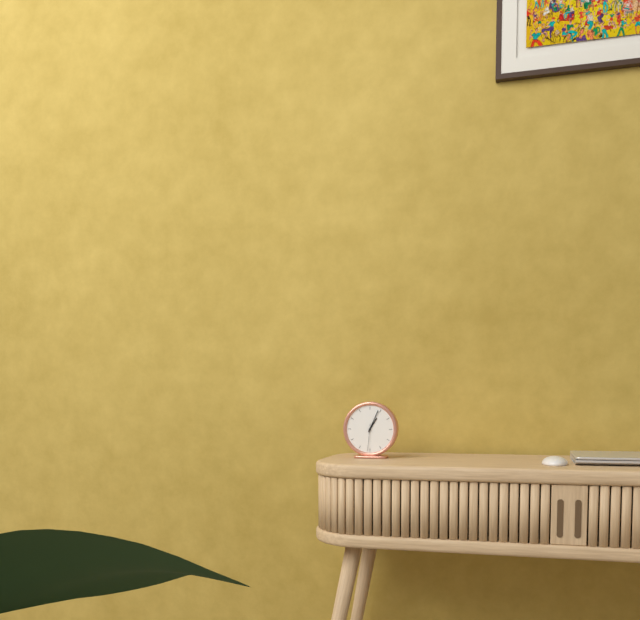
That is 1h04
